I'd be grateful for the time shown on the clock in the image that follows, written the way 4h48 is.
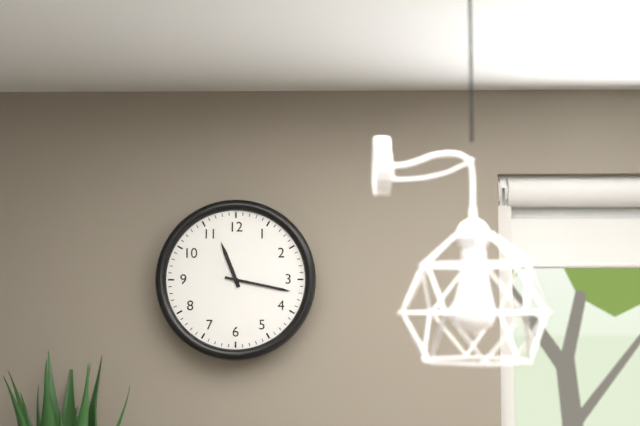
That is 11h17
